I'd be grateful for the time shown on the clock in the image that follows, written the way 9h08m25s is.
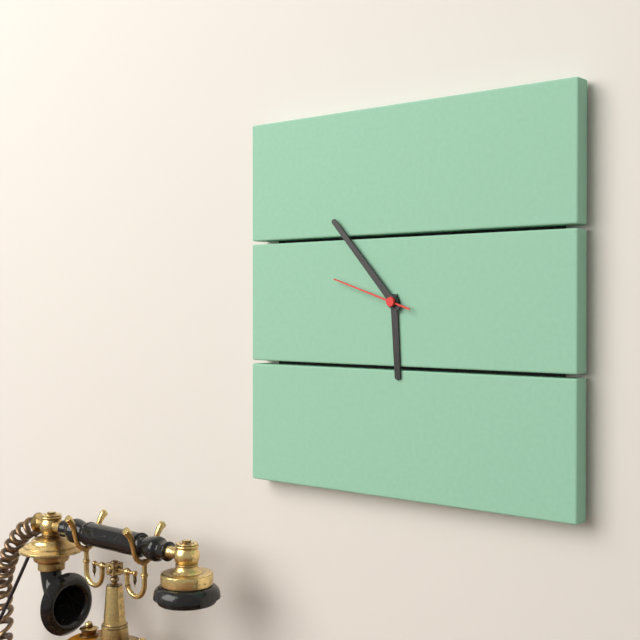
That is 5h53m48s
